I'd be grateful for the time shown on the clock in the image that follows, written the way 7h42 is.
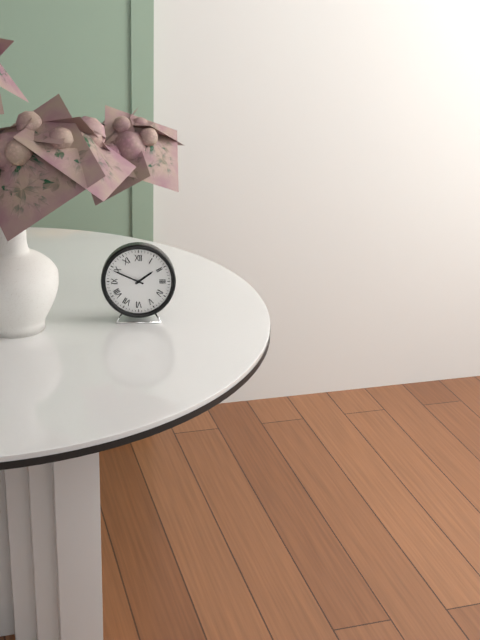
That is 1h49
